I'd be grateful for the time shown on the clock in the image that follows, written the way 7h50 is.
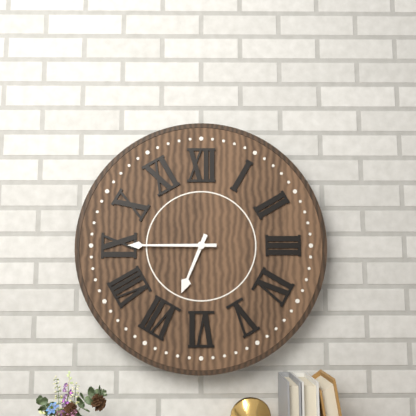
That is 6h45
